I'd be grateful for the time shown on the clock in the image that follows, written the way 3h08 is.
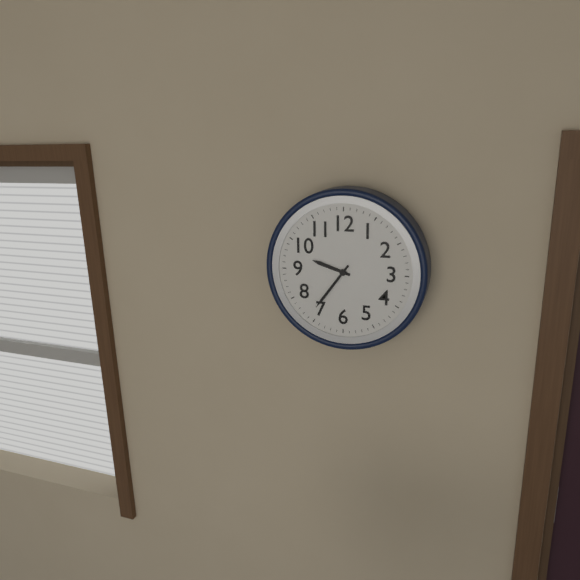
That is 9h36
